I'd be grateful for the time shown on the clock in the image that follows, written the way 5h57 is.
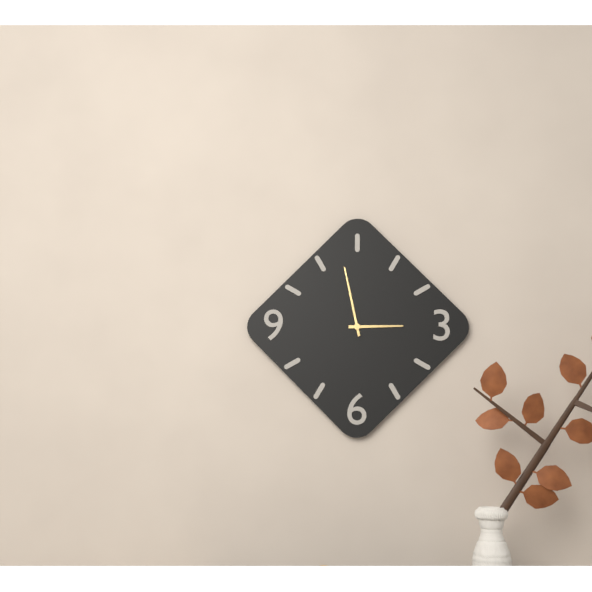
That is 2h58
